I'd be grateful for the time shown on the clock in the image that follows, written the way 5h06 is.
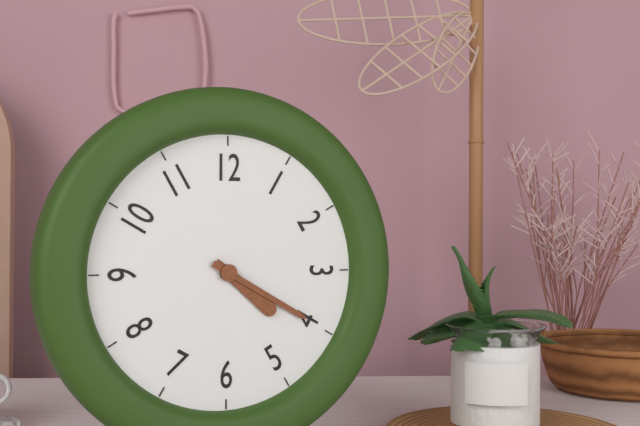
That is 4h20
